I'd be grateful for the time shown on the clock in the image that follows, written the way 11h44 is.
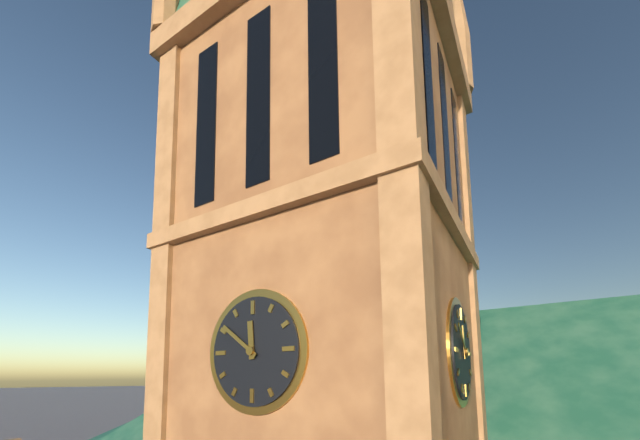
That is 11h51
